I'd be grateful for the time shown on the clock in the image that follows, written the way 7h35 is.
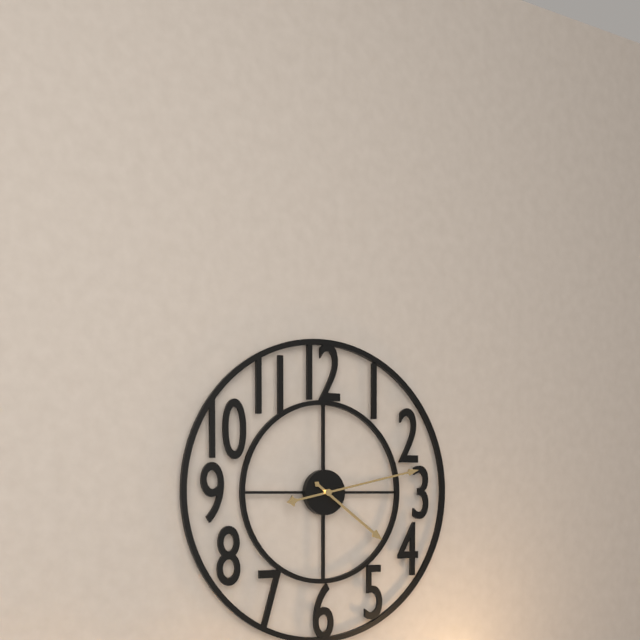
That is 4h13
